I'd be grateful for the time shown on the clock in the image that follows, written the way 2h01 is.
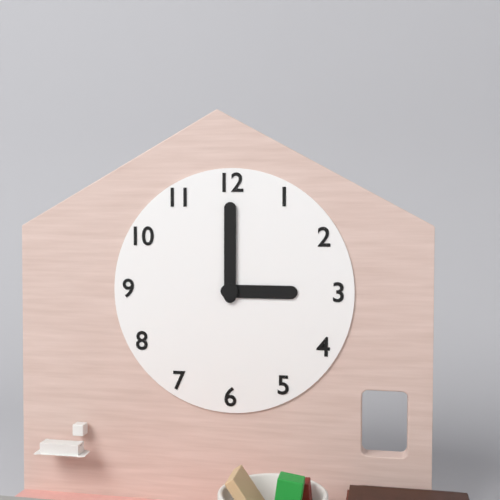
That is 3h00
